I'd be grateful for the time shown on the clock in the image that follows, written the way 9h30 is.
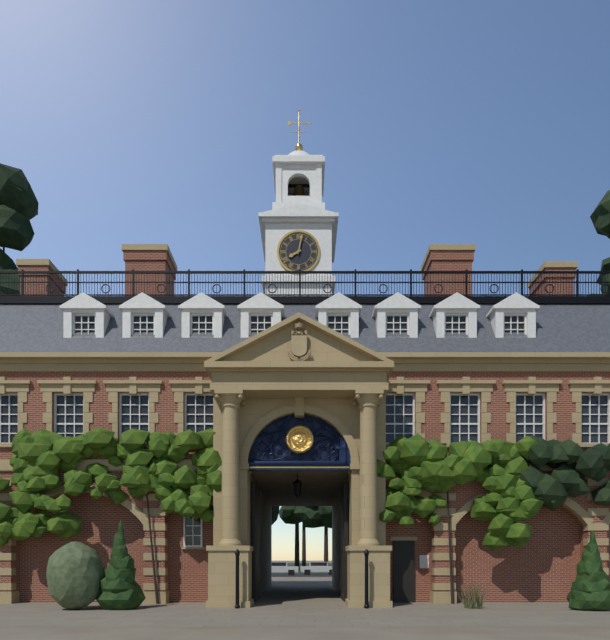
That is 8h02
